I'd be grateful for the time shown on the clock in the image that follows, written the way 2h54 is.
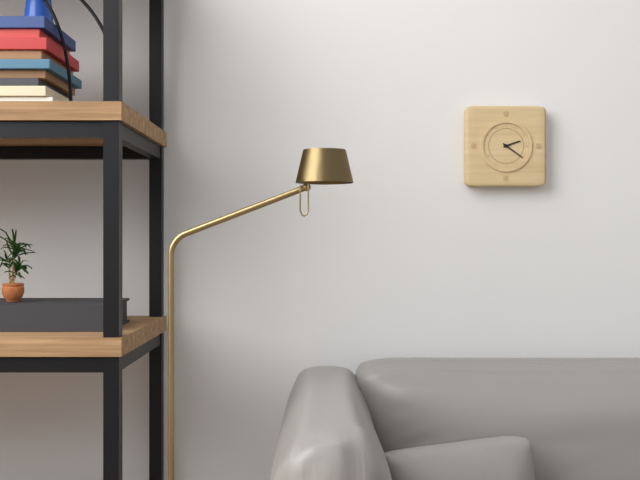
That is 2h21
